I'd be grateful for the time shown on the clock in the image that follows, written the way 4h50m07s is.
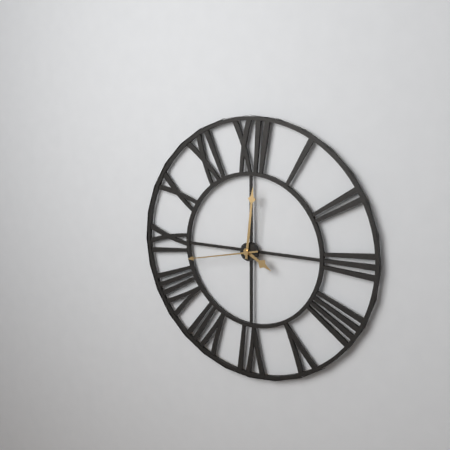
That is 4h01m43s
